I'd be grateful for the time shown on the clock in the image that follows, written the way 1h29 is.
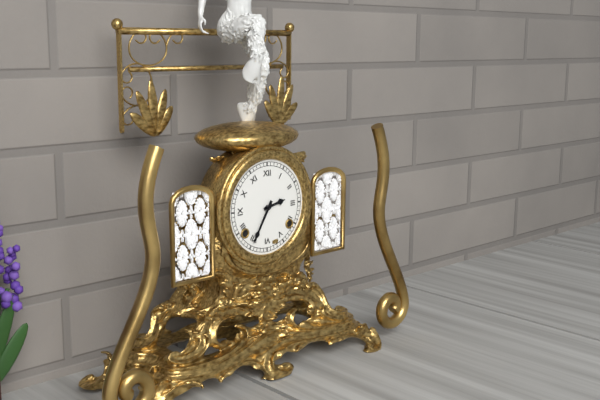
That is 2h35
